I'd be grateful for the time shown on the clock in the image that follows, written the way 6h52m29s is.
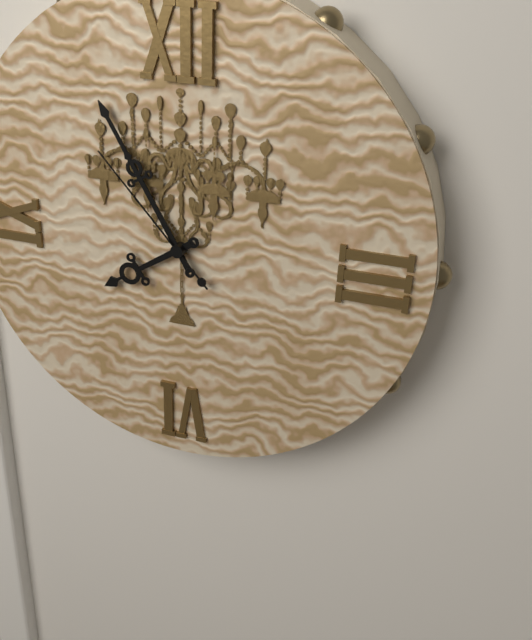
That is 7h55m53s
